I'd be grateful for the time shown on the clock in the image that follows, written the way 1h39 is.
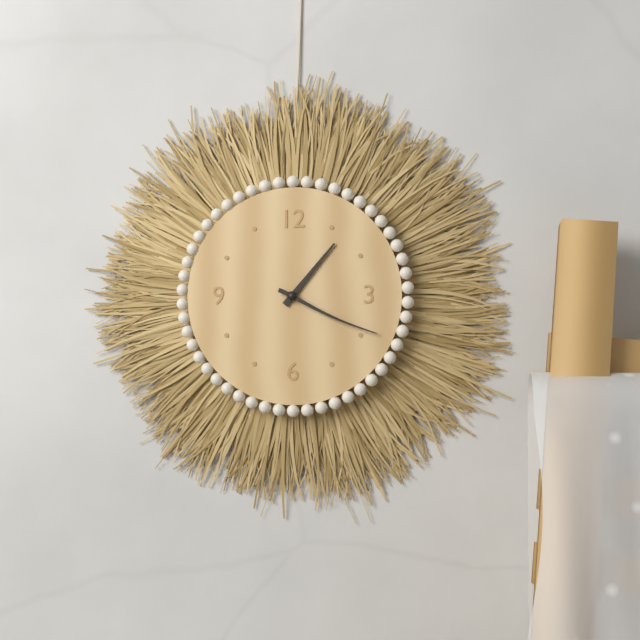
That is 1h19
